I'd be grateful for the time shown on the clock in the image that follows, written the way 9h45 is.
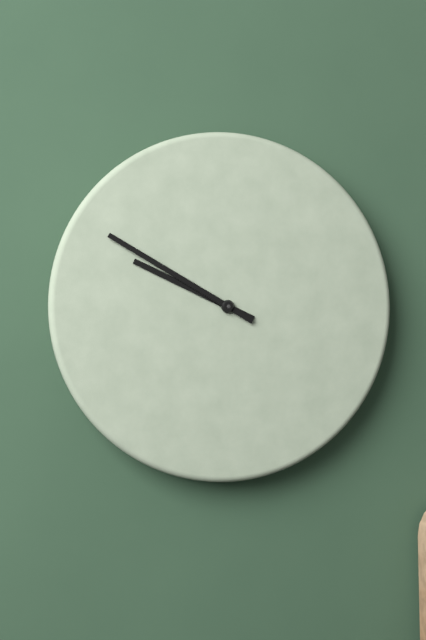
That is 9h50
